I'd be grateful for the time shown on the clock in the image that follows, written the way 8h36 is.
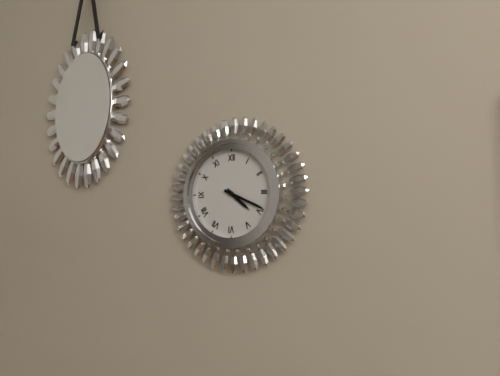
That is 4h19
